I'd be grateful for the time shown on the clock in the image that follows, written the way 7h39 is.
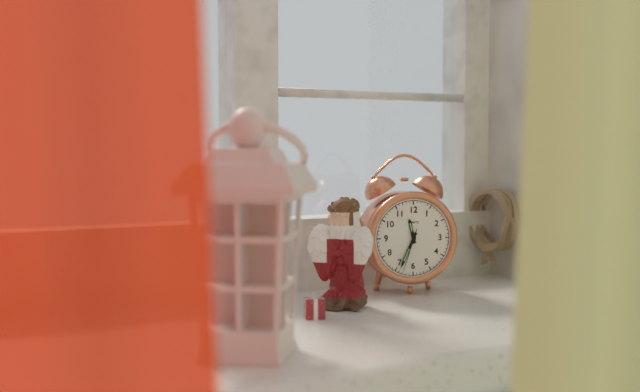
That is 11h34
